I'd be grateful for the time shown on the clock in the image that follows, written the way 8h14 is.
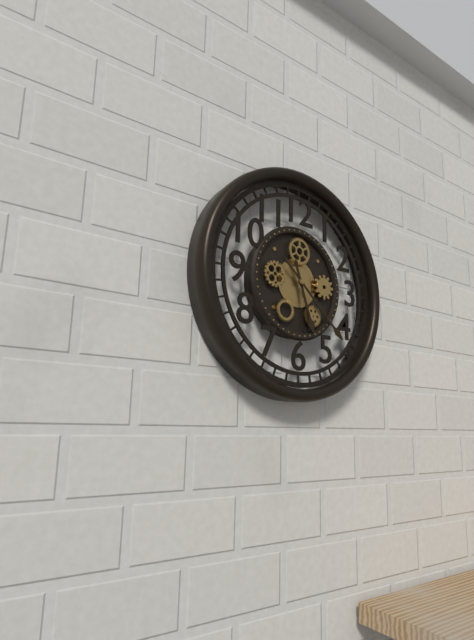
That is 5h22
